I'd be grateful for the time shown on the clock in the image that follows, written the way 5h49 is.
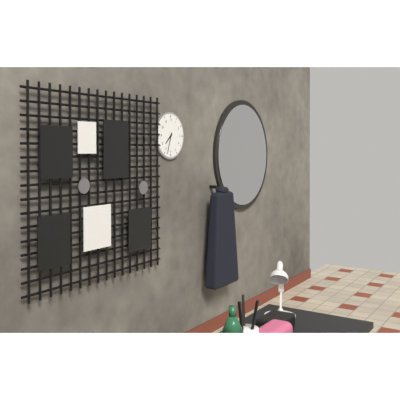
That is 7h33
